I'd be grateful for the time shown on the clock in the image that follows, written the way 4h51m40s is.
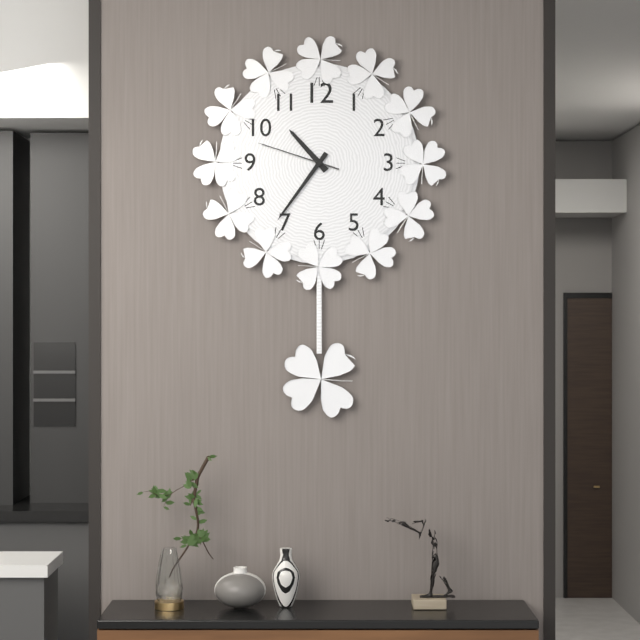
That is 10h36m48s
